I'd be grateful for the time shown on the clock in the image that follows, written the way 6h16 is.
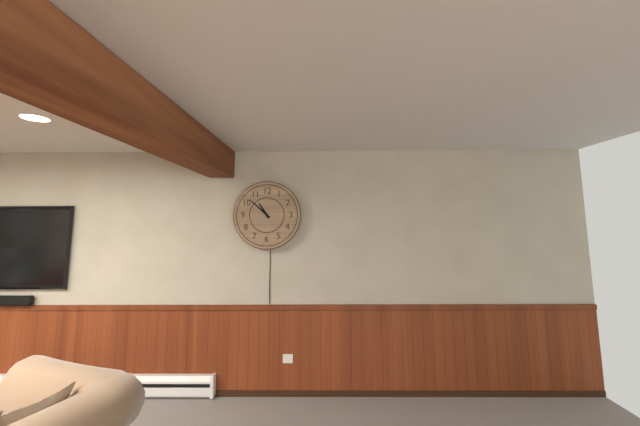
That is 10h52
